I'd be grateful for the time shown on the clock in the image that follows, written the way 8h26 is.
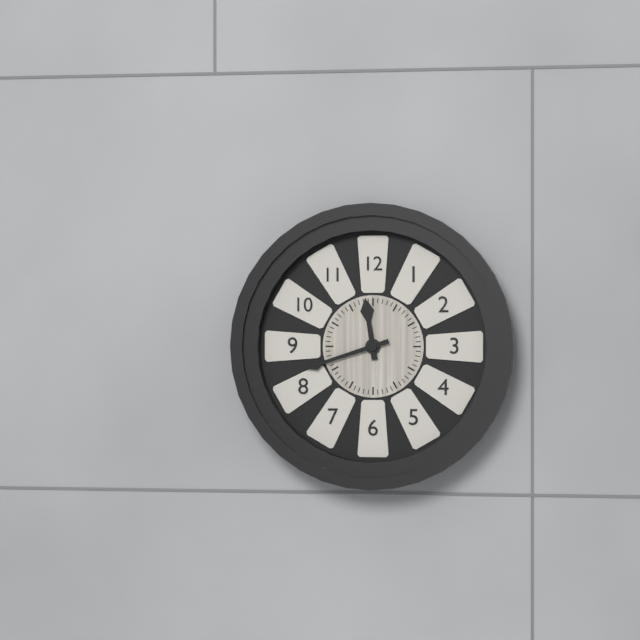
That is 11h42
